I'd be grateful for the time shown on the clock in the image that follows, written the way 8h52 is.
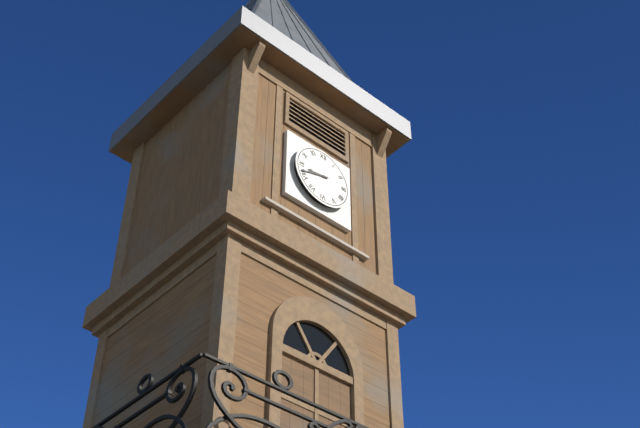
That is 8h42
